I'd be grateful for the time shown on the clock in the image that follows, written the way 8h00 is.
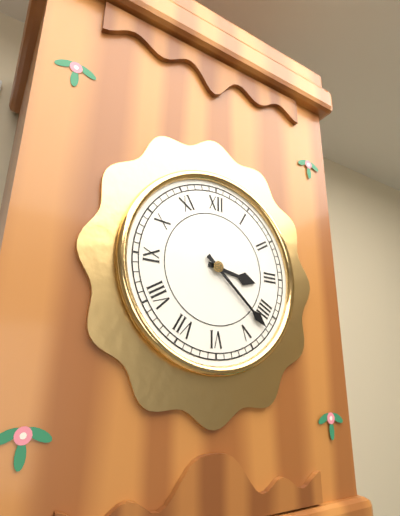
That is 3h22
